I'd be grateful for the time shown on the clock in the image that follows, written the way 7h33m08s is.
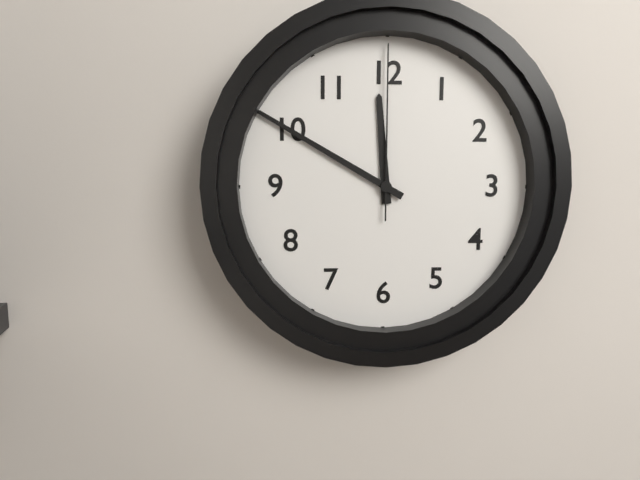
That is 11h50m00s
